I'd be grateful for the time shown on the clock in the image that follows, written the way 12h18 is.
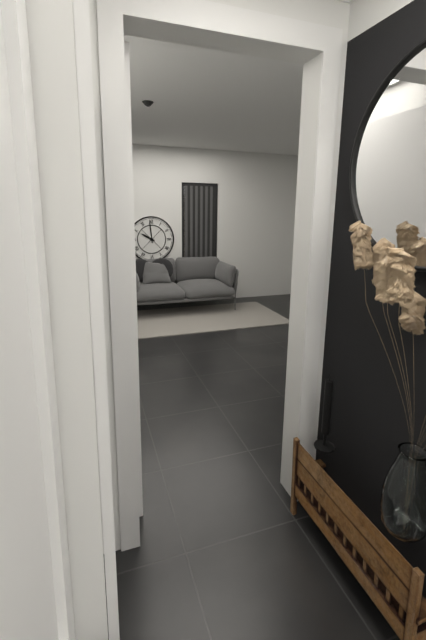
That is 9h59
